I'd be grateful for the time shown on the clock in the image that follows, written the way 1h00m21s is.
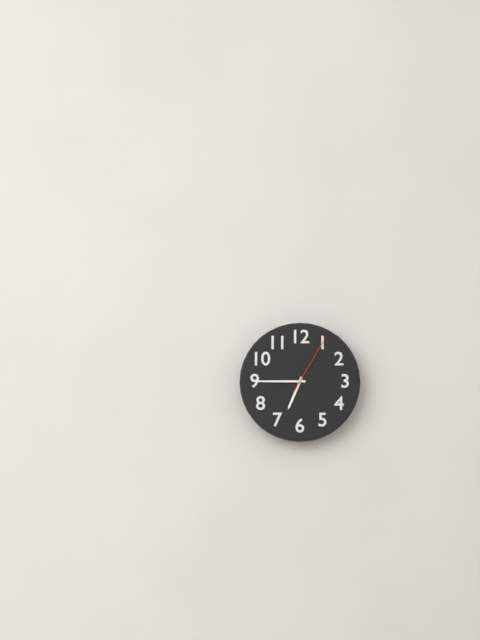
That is 6h45m05s
